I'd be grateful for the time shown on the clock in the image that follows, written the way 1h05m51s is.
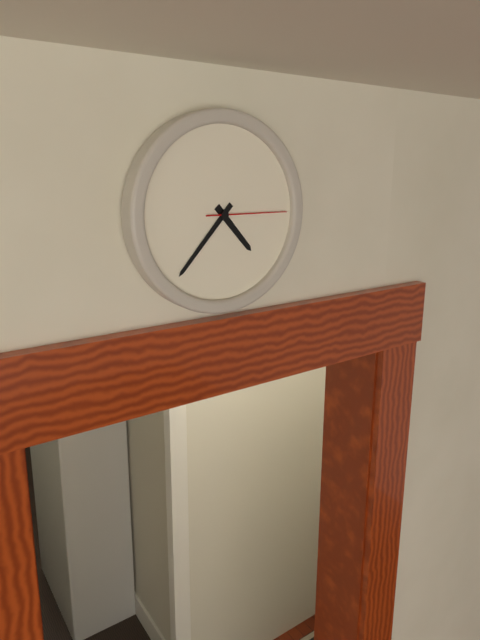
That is 4h37m15s
